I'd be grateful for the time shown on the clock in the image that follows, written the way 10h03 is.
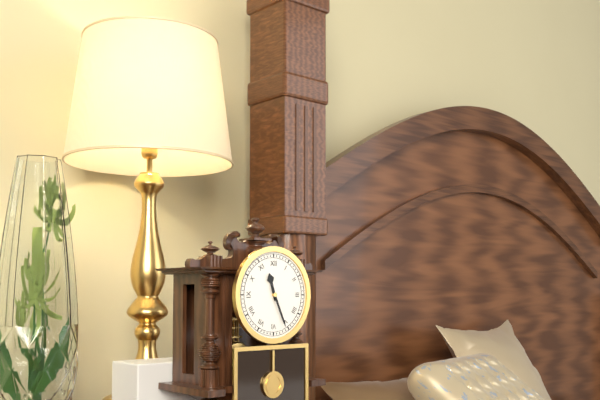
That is 11h26
